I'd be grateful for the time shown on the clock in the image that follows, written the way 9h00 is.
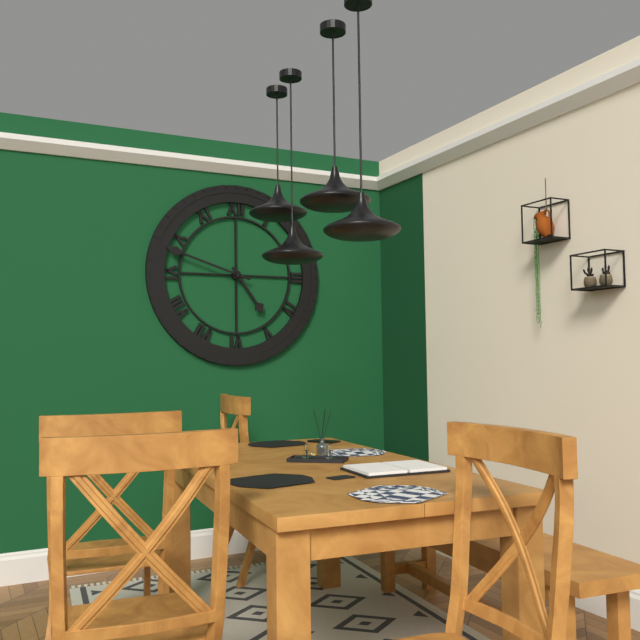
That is 4h48
